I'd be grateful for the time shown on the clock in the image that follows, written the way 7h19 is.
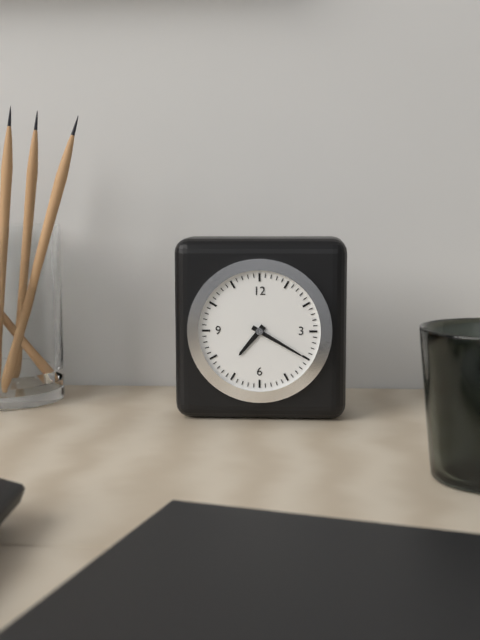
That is 7h20
